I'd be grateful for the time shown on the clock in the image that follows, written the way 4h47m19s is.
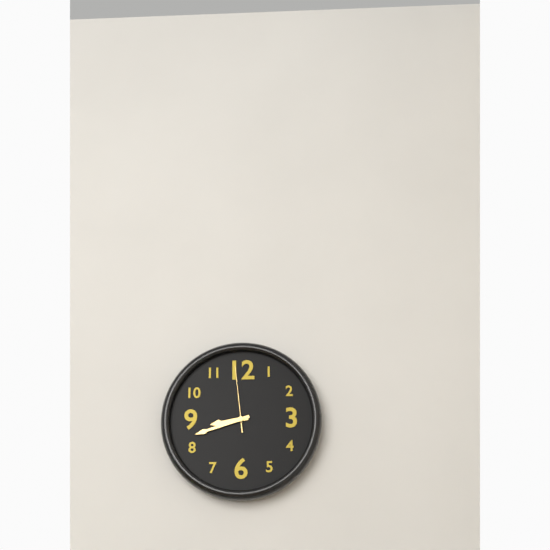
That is 8h42m59s
